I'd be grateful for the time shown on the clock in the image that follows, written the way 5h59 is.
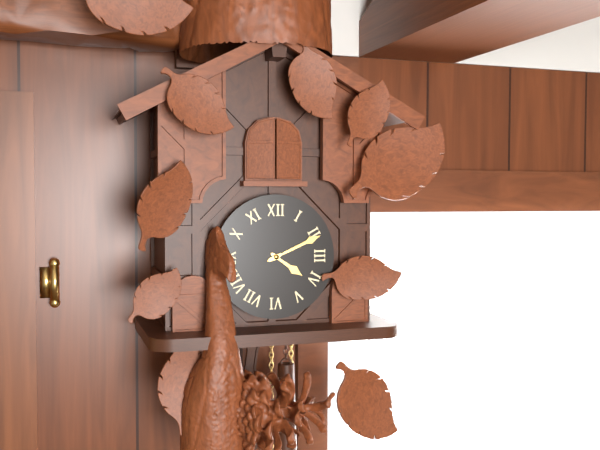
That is 4h11
